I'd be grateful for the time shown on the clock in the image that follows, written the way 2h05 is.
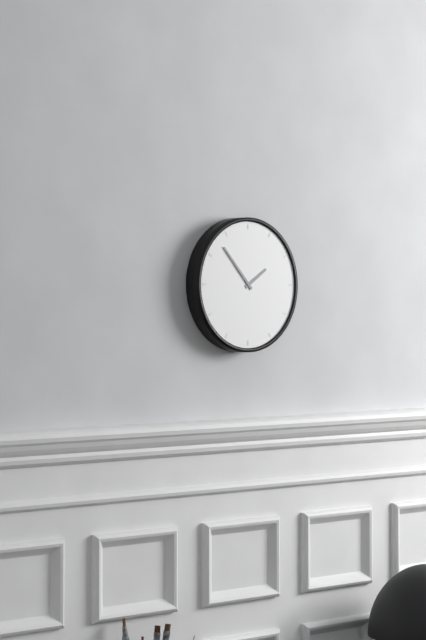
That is 1h53
